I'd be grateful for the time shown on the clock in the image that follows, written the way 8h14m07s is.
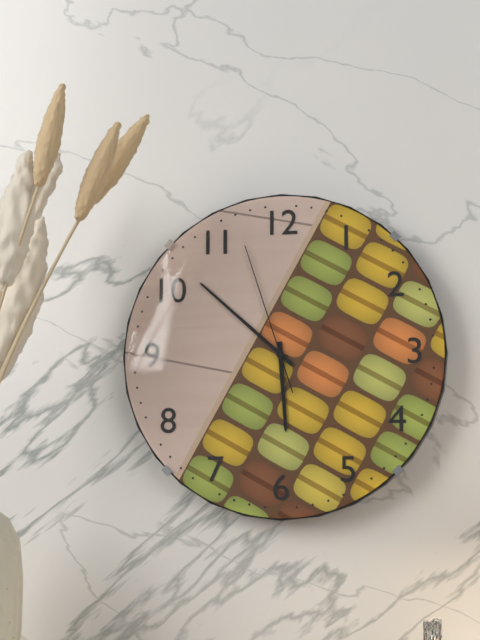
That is 5h52m57s
